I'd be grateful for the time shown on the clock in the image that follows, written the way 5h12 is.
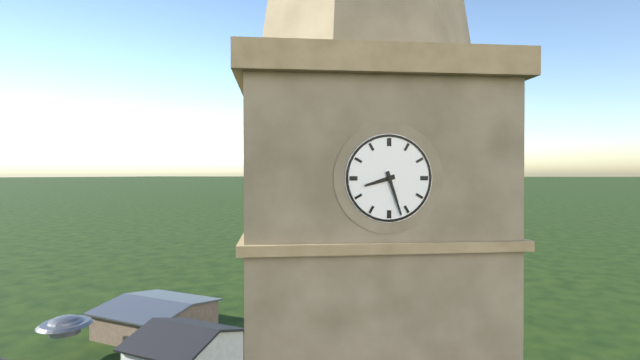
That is 8h27
